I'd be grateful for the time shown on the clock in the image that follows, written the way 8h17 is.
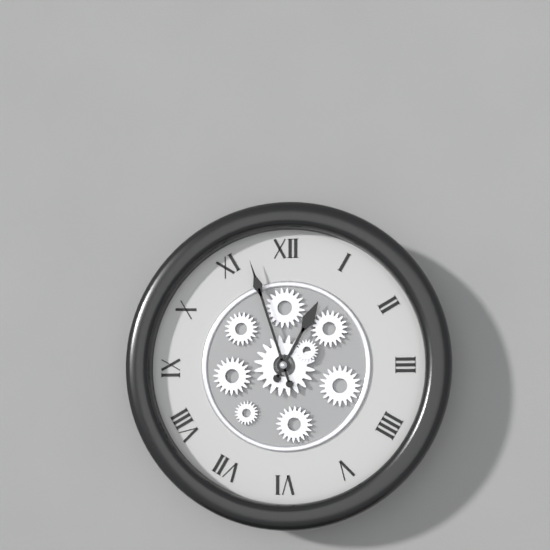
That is 12h57
